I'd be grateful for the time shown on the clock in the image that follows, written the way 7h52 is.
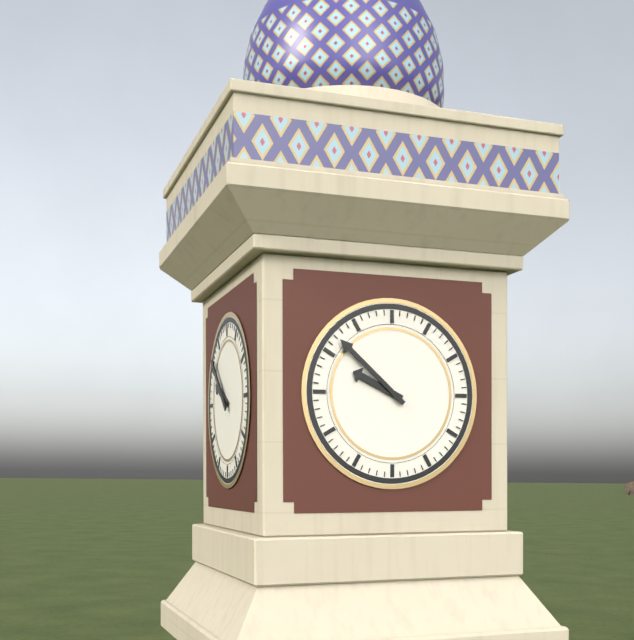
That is 9h52
